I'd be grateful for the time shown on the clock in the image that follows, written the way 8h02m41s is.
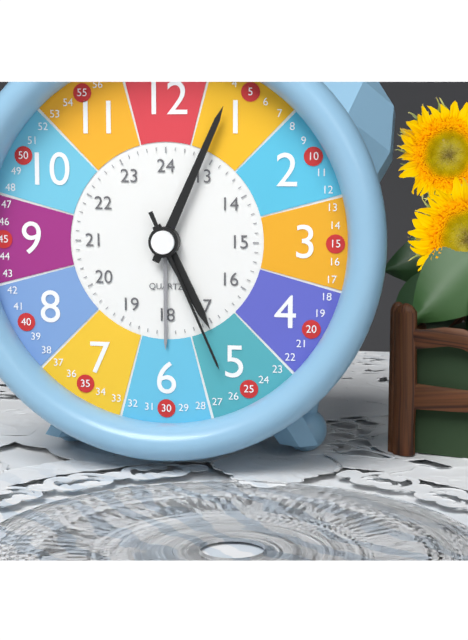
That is 5h04m26s
